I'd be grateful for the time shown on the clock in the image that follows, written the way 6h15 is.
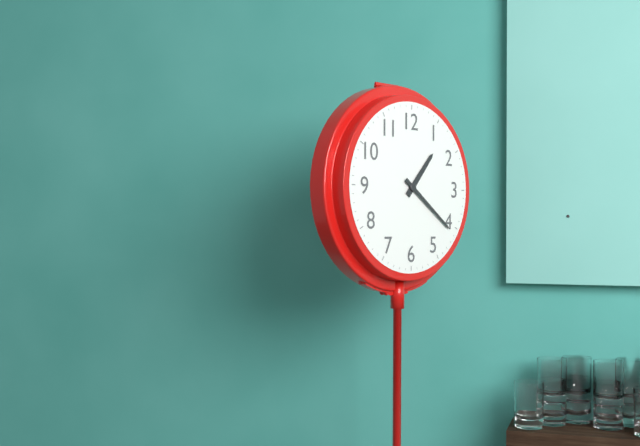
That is 1h21
